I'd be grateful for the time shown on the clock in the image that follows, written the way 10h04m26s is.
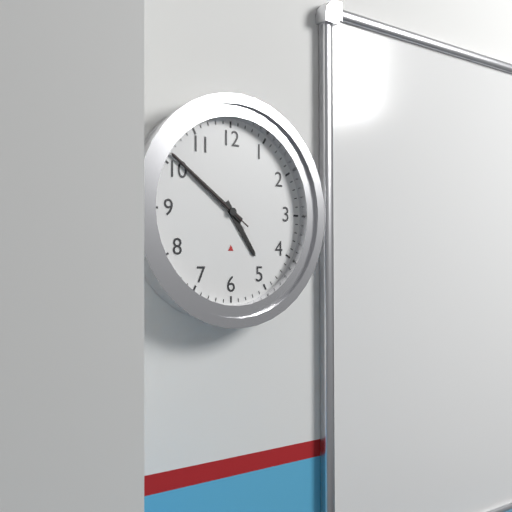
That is 4h51m51s
